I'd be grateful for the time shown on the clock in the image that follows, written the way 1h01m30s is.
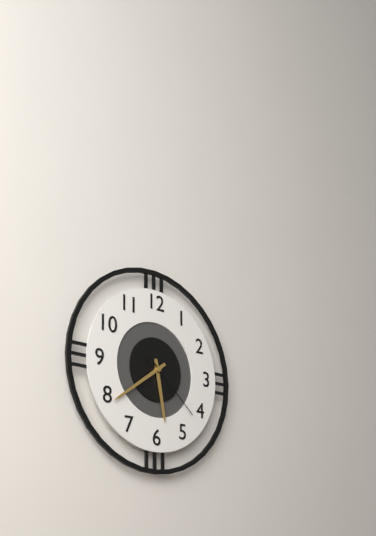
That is 5h39m22s
